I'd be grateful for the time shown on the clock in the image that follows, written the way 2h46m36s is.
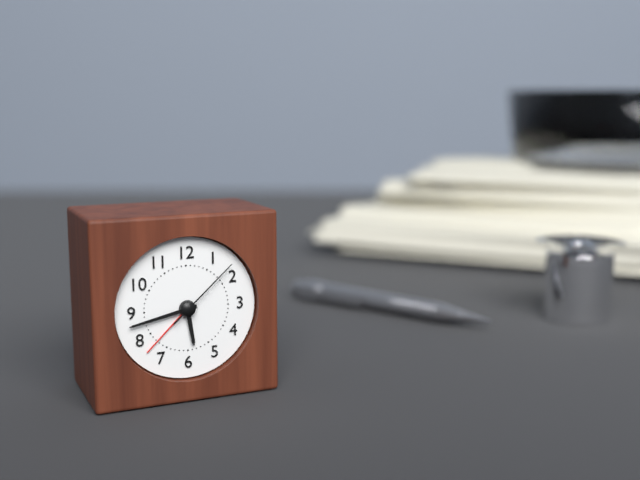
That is 5h43m08s
